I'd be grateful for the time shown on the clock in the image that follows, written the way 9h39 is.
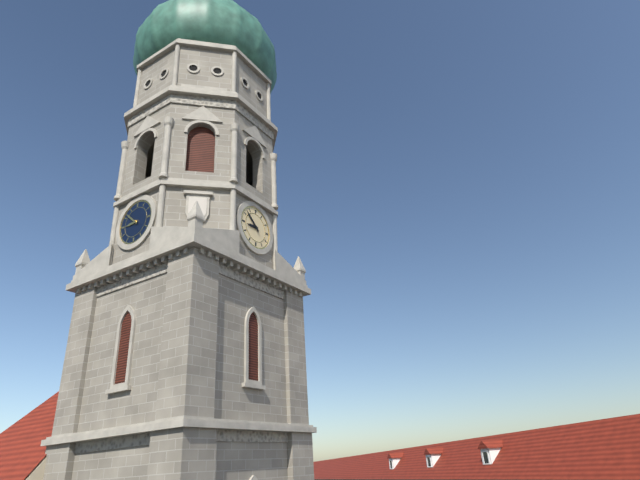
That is 8h52
